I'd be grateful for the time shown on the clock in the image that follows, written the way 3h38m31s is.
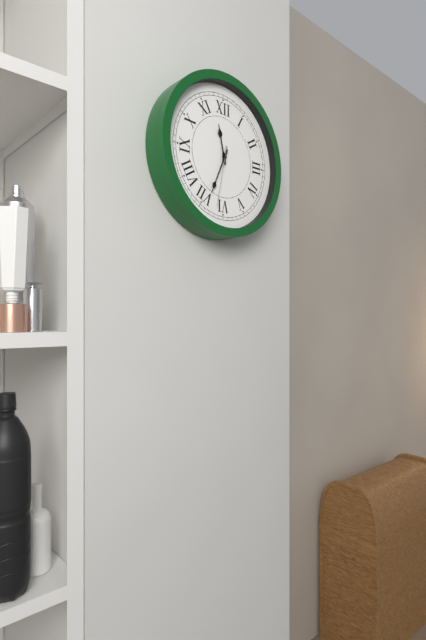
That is 11h34m32s
